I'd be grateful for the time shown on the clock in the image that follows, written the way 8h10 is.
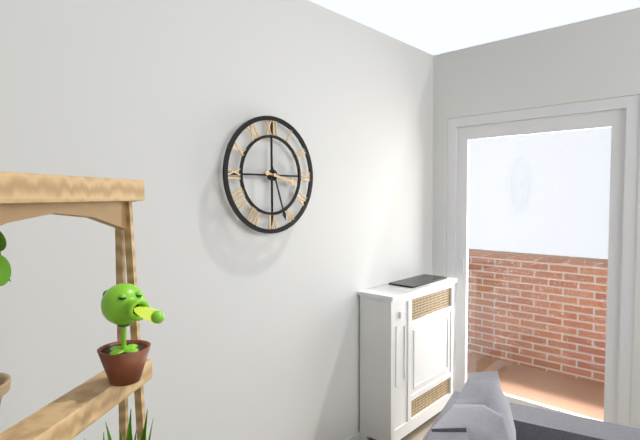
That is 3h27
